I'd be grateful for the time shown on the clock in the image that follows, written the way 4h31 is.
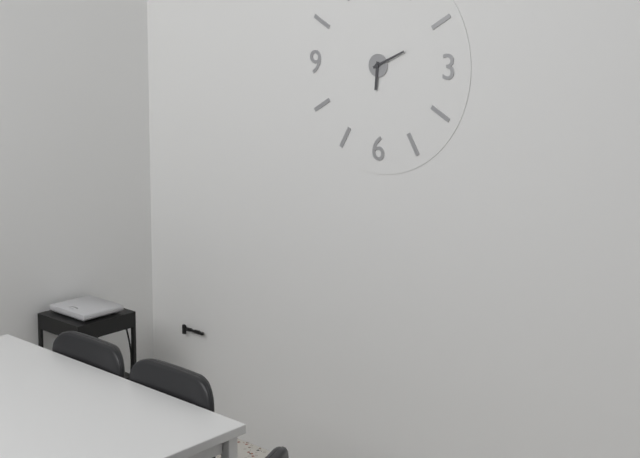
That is 6h11
